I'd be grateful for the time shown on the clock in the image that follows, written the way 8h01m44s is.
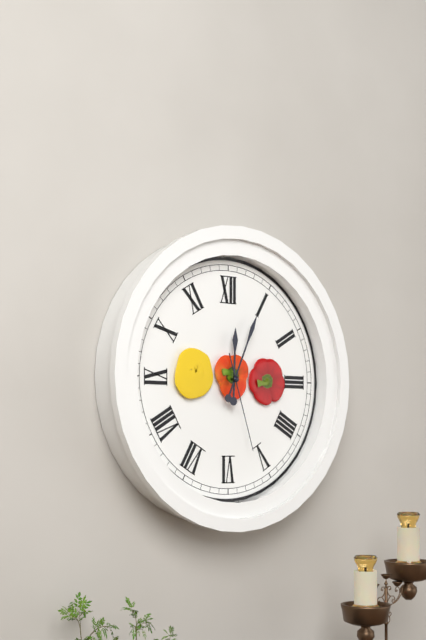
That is 12h04m27s
